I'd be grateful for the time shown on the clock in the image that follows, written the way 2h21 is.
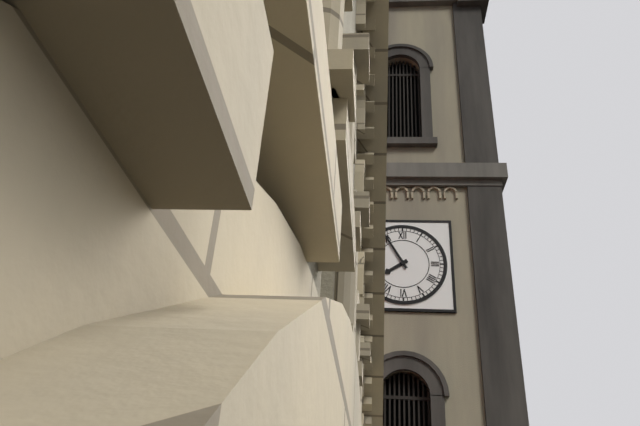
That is 7h55
